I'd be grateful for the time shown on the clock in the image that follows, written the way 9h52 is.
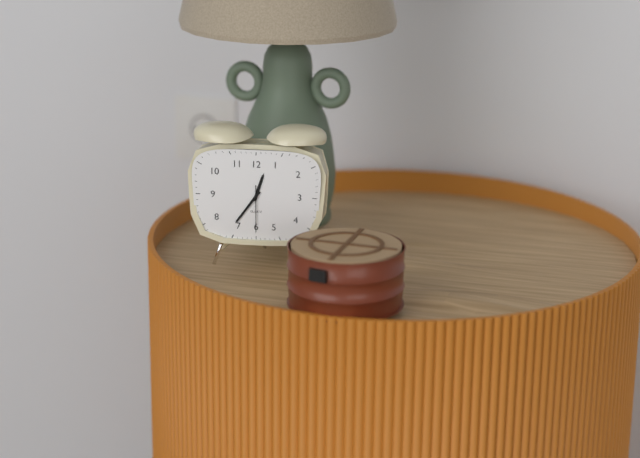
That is 12h36
